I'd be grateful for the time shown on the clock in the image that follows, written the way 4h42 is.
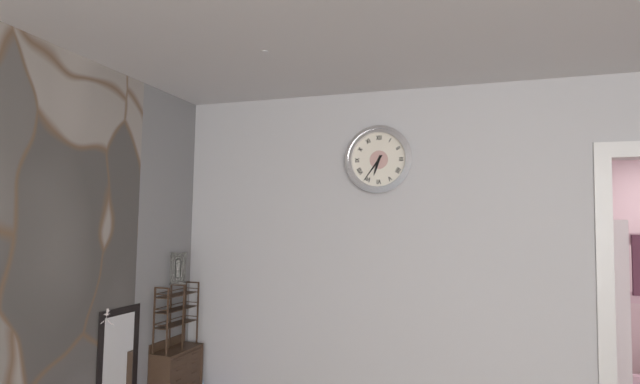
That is 6h36
